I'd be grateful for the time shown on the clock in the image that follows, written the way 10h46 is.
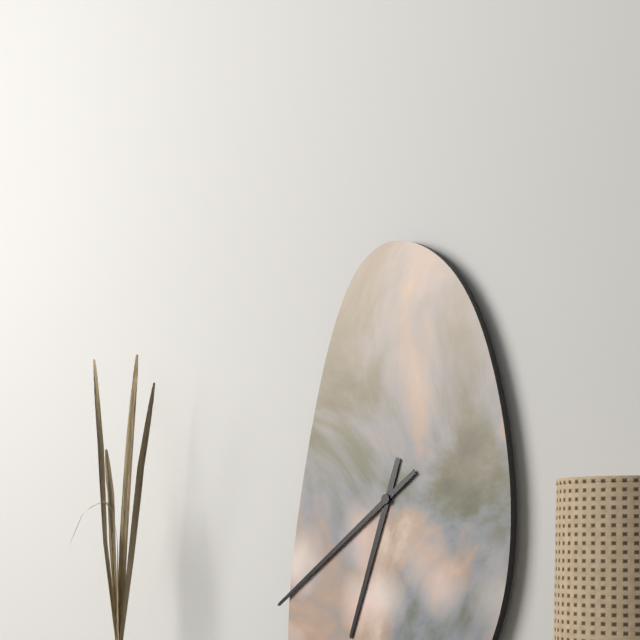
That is 6h39
